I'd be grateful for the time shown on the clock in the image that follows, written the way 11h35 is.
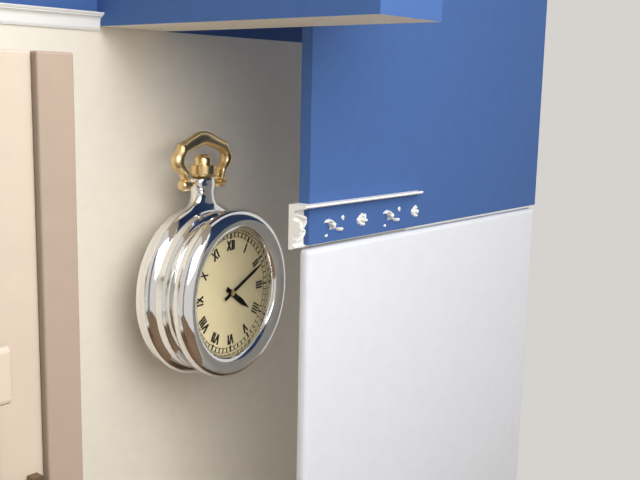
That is 4h11
